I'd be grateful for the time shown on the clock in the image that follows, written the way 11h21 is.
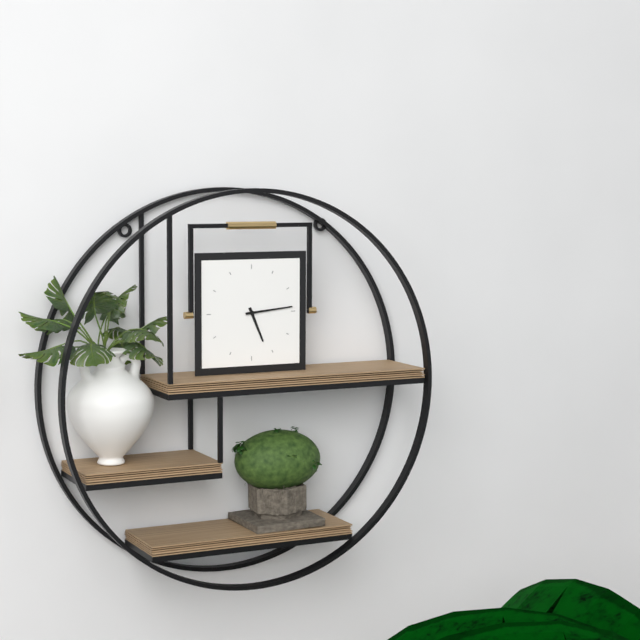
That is 5h14
